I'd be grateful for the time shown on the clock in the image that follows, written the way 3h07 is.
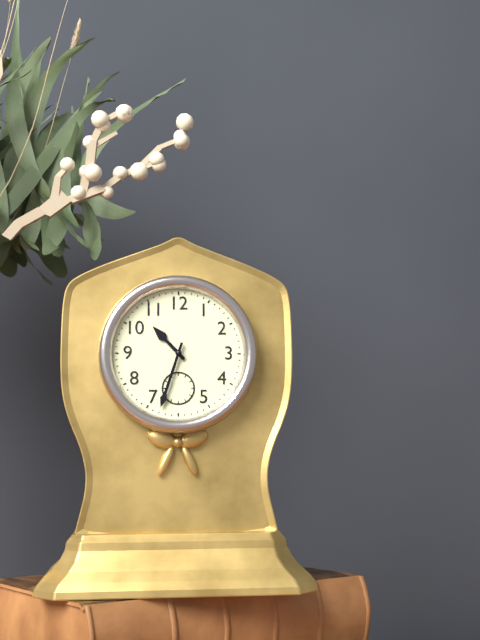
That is 10h33
